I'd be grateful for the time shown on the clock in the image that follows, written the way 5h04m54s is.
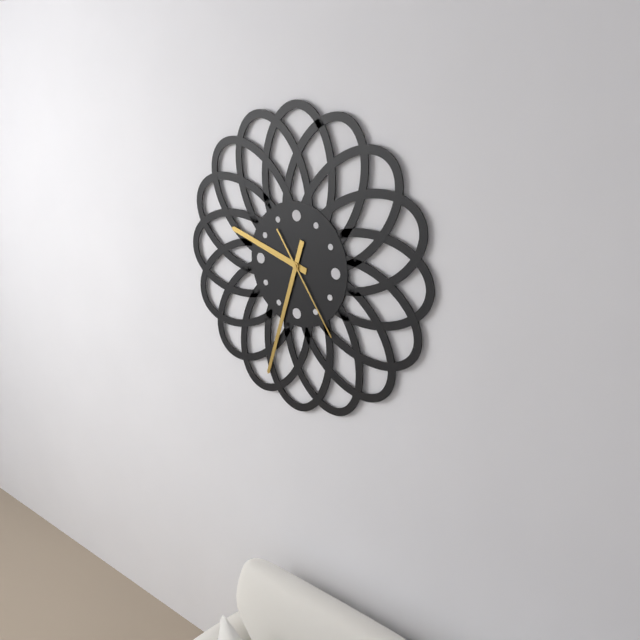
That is 9h33m24s
